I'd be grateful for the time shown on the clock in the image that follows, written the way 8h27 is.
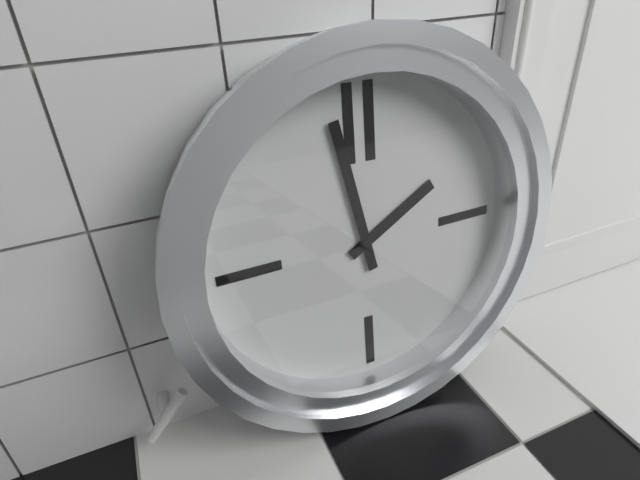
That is 1h58
